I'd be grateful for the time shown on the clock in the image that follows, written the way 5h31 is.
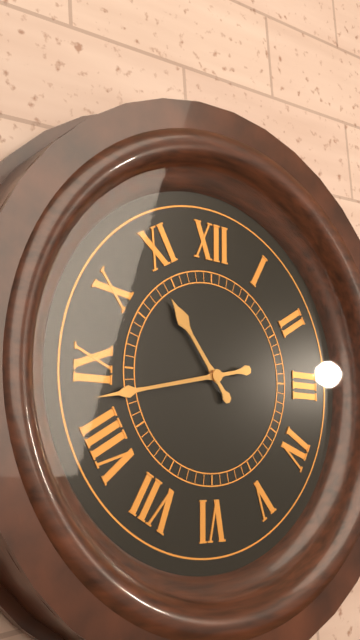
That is 10h43
